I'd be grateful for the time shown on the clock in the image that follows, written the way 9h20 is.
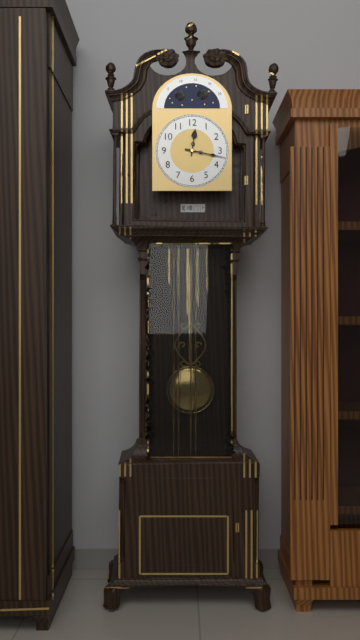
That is 12h17
